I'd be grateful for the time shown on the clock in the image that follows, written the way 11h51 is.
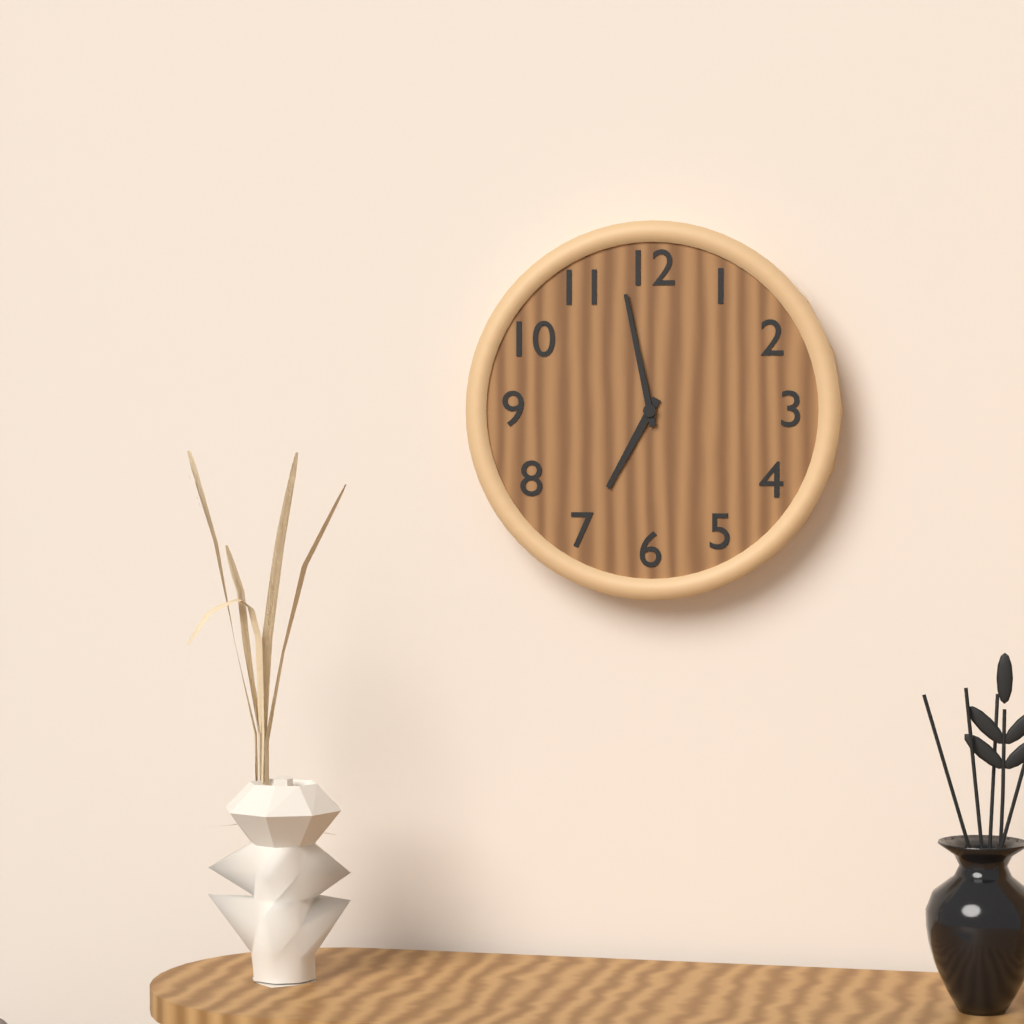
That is 6h58
